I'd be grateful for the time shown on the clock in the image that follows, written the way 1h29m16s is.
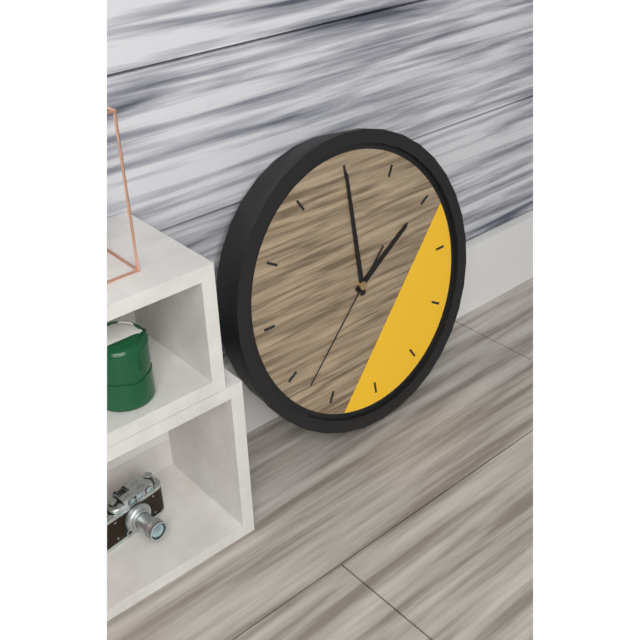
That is 2h00m38s
